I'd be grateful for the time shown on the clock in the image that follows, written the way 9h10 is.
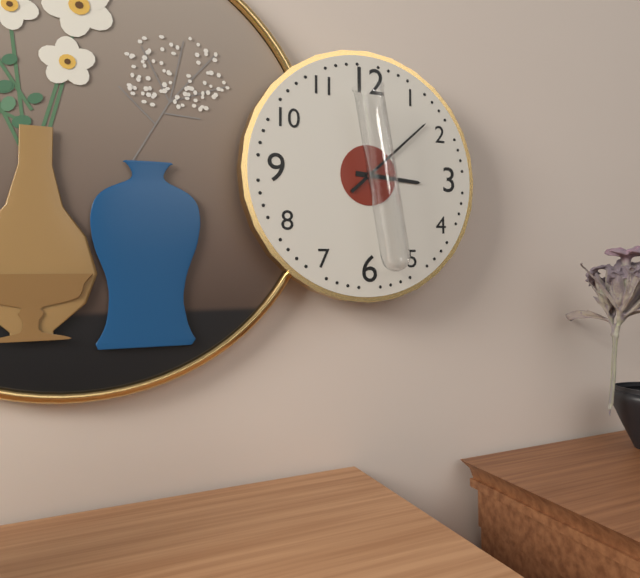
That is 3h08
